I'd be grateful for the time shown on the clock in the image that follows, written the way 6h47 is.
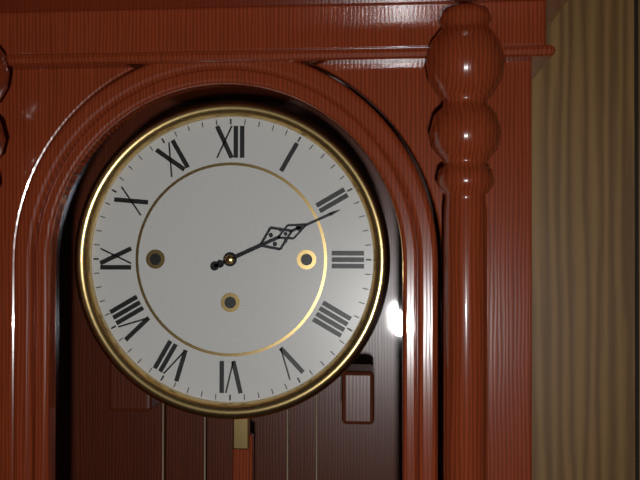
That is 2h11
